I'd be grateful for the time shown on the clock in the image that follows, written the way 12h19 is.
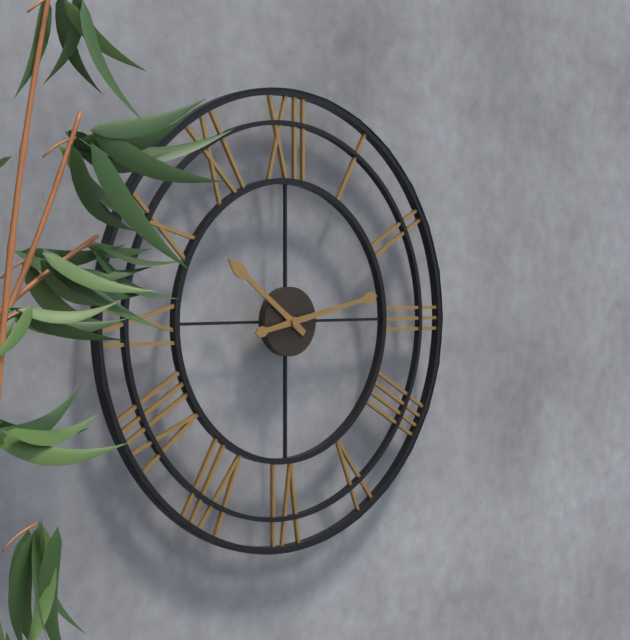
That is 10h13
